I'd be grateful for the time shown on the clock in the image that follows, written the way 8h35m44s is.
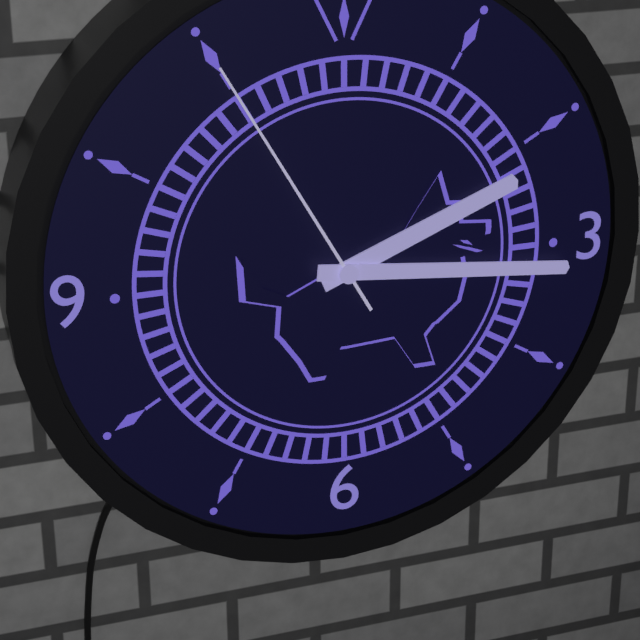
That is 2h16m55s
